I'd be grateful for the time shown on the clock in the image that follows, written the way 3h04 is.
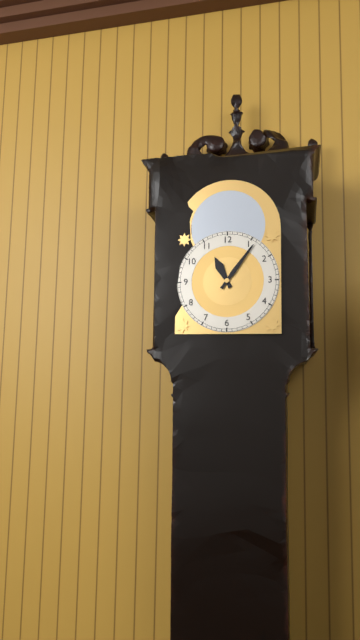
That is 11h06
